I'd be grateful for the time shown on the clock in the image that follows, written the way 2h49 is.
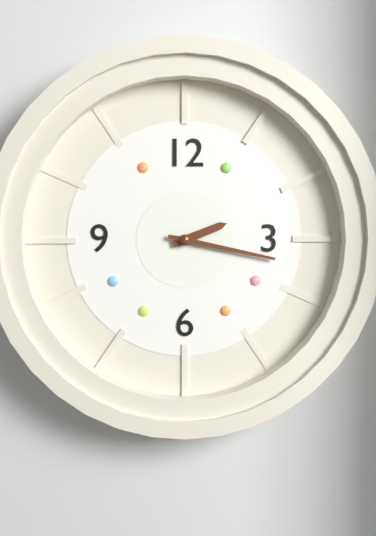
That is 2h17
